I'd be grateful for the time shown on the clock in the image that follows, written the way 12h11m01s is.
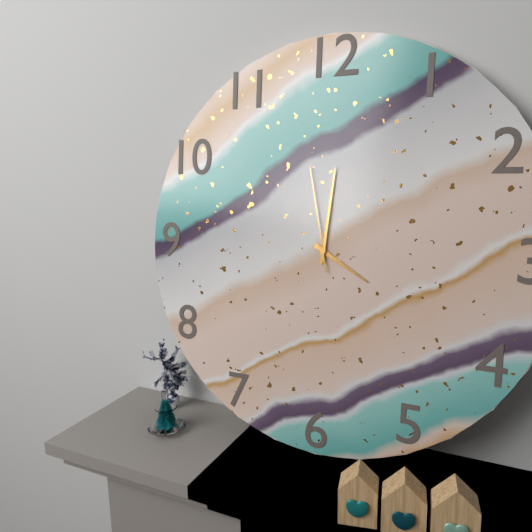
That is 4h01m58s
